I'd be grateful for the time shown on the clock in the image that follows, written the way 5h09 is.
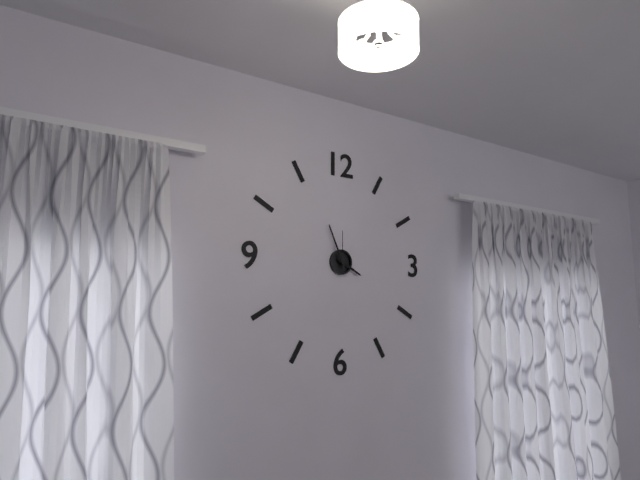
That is 3h56
